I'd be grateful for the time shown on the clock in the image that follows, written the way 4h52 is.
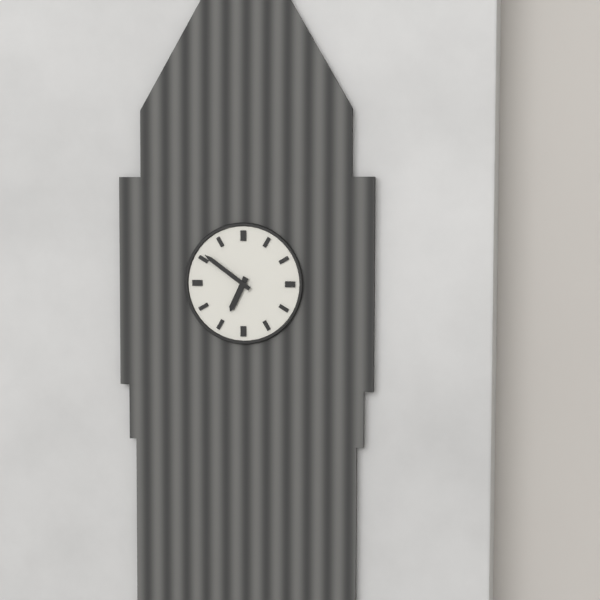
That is 6h51
